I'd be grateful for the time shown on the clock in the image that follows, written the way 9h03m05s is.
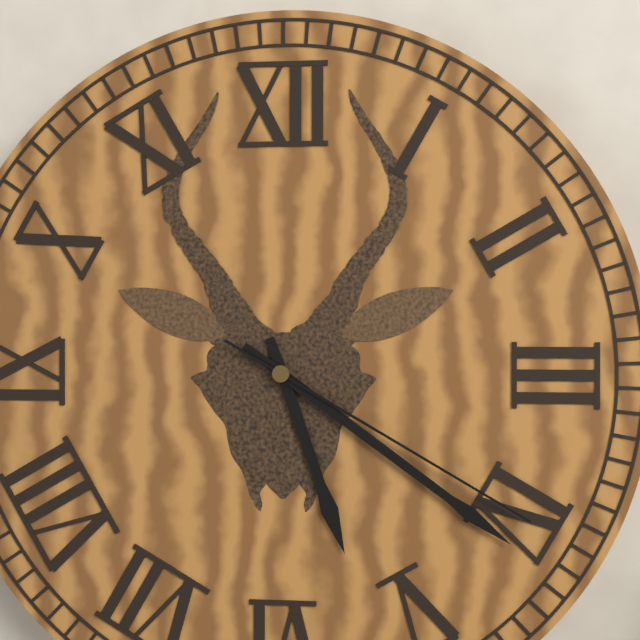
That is 5h21m20s
